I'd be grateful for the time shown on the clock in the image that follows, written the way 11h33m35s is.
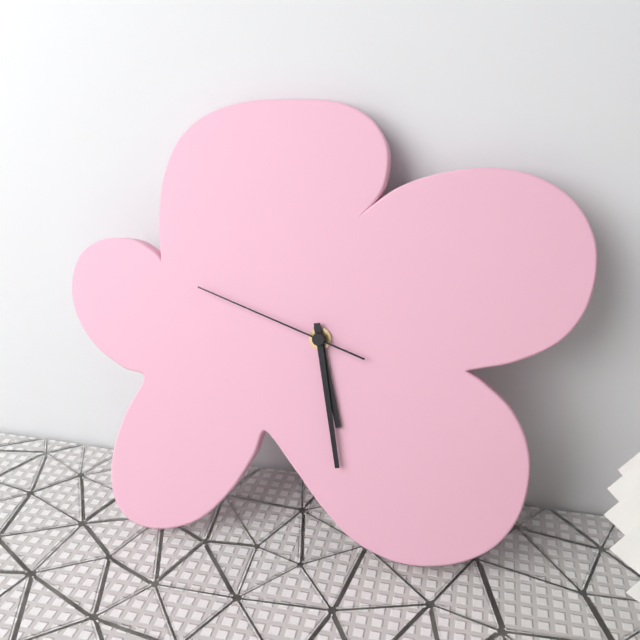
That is 5h28m48s
